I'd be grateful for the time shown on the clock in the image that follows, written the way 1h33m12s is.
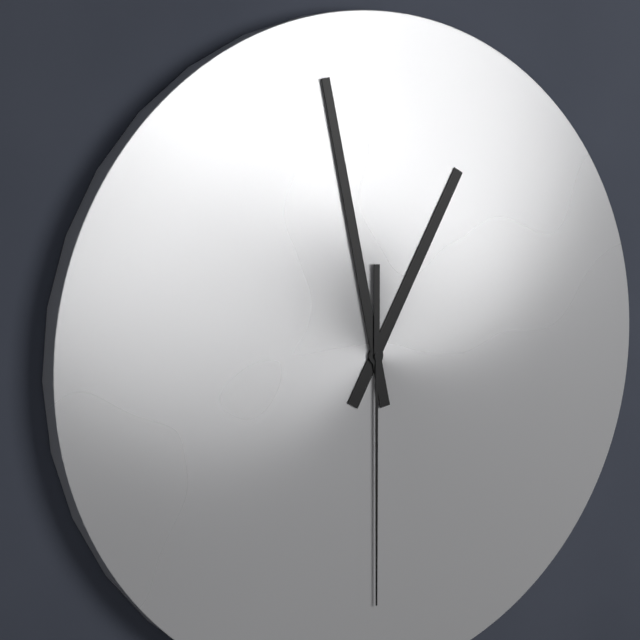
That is 12h58m30s
